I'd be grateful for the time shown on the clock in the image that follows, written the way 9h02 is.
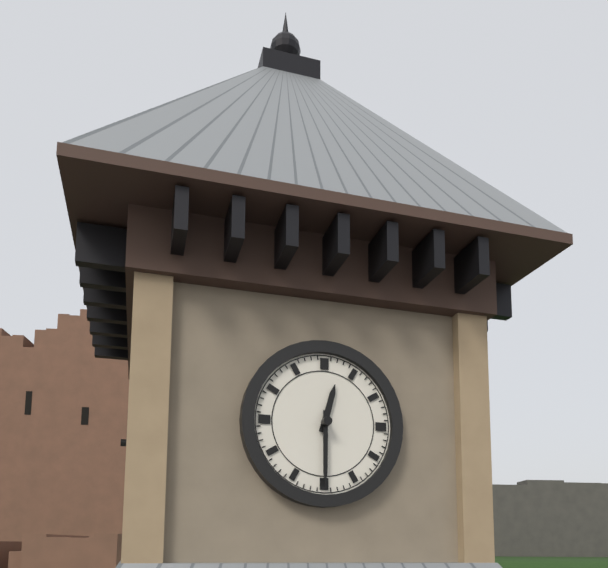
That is 12h30
